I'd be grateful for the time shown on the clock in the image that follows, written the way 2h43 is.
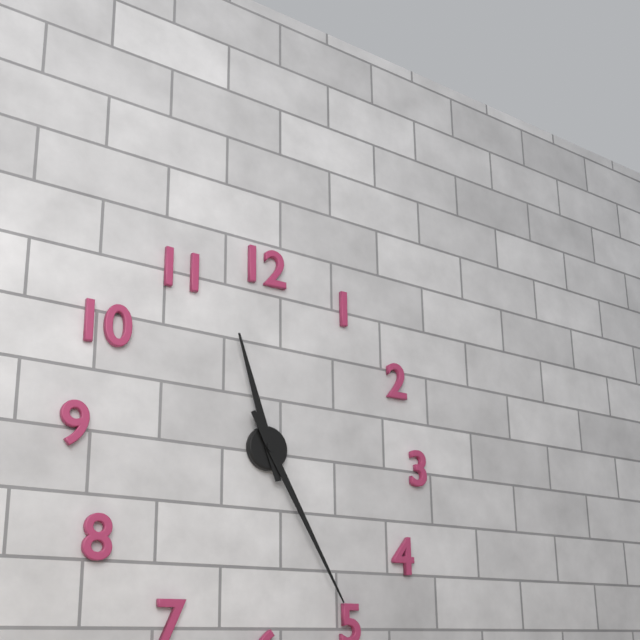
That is 11h25
